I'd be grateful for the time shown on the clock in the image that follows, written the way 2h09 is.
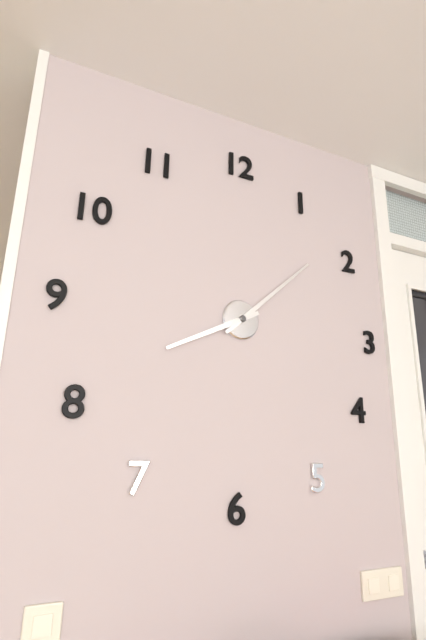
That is 8h08
